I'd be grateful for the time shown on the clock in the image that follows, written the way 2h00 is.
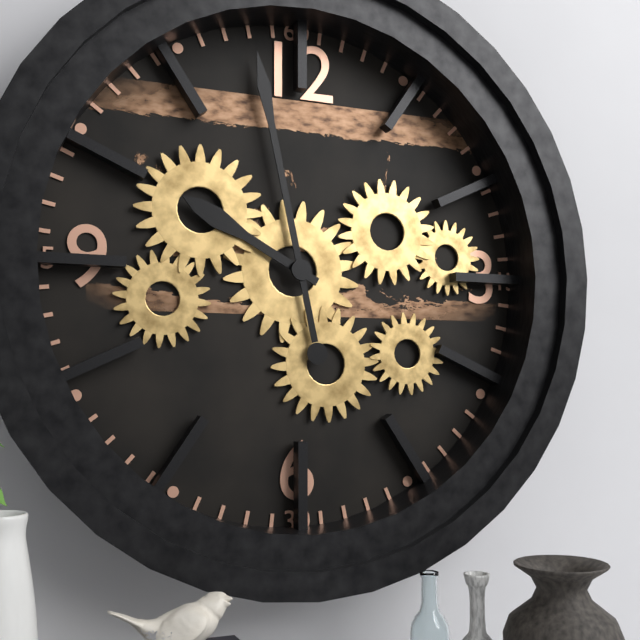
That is 9h58
